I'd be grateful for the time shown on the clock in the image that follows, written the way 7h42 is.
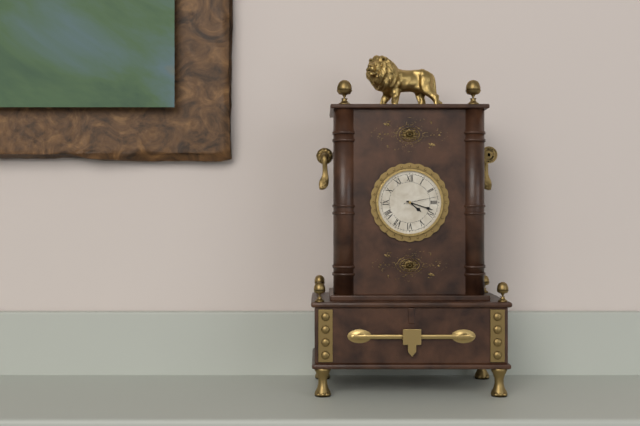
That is 4h18
